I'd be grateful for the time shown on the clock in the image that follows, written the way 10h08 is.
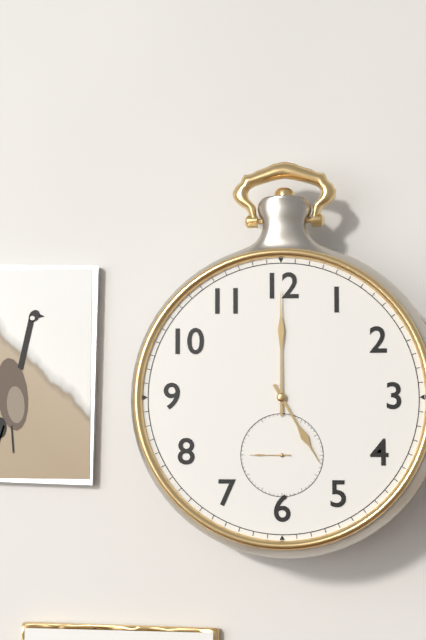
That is 5h00
